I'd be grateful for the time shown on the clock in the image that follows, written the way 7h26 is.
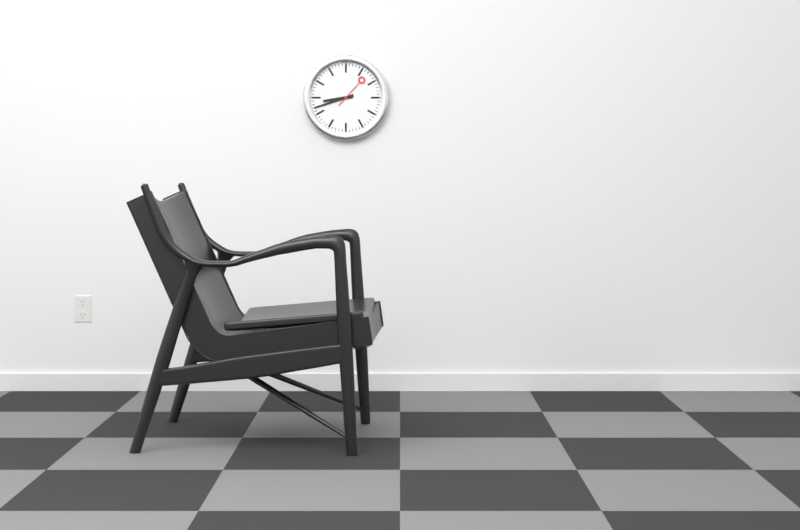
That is 8h42
